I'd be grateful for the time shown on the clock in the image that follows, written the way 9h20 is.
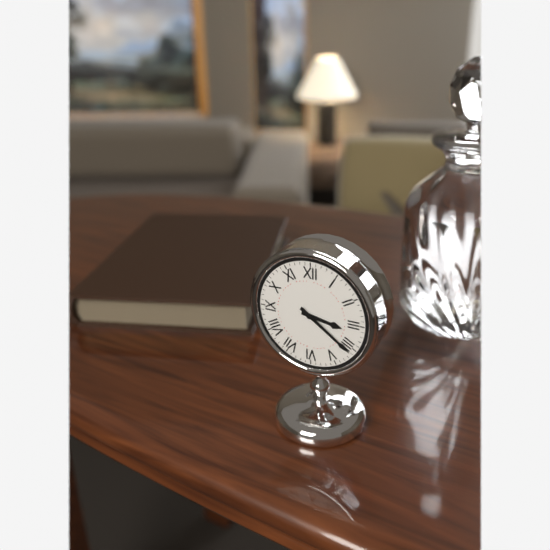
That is 3h21
